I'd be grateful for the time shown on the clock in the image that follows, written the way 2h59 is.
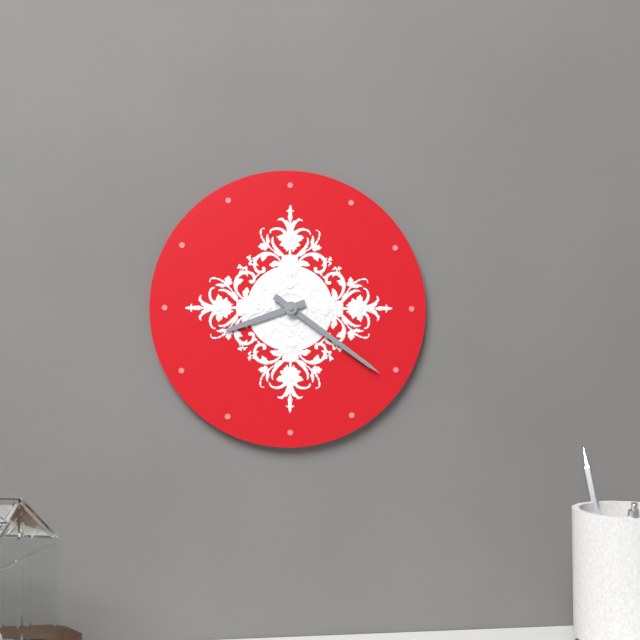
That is 8h21
